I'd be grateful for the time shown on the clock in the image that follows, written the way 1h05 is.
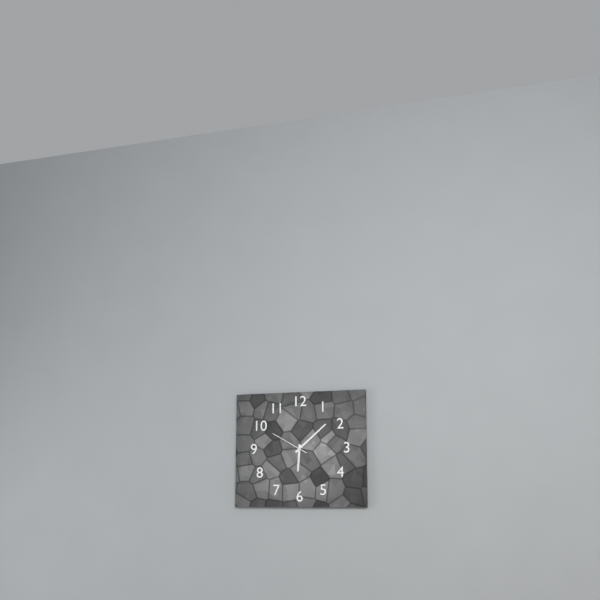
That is 6h08
